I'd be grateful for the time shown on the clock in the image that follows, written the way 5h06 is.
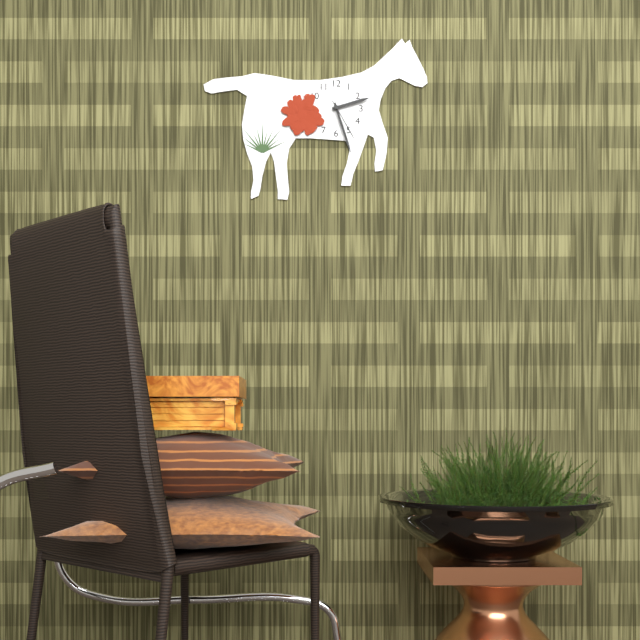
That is 2h27
